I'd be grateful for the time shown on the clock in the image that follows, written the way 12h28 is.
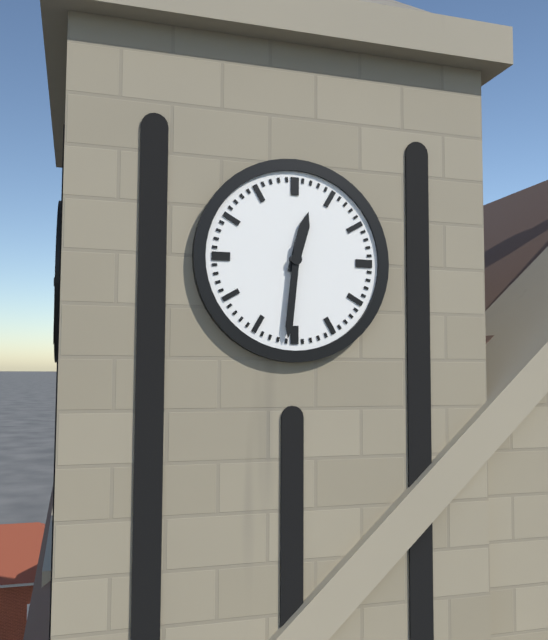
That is 12h31
